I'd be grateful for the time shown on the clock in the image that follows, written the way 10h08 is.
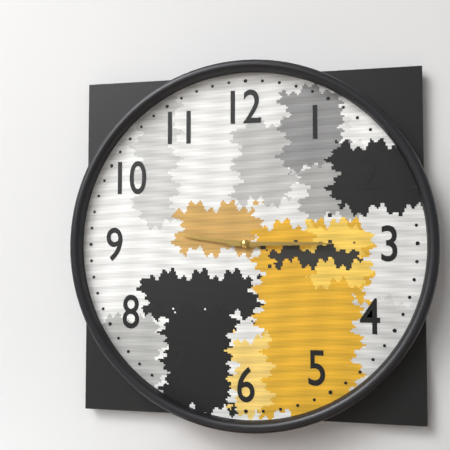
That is 9h15
